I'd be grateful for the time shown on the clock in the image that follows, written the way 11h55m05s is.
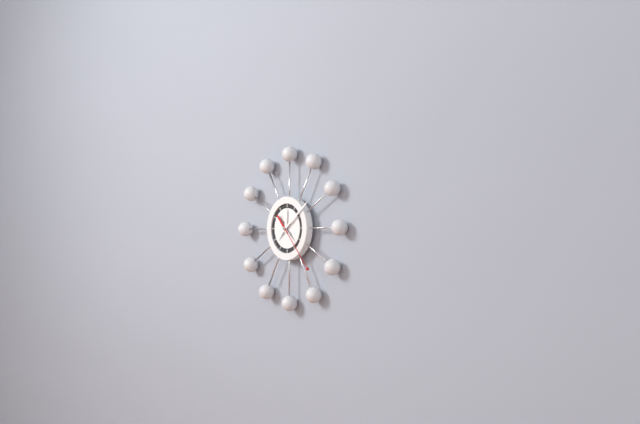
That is 12h09m23s
